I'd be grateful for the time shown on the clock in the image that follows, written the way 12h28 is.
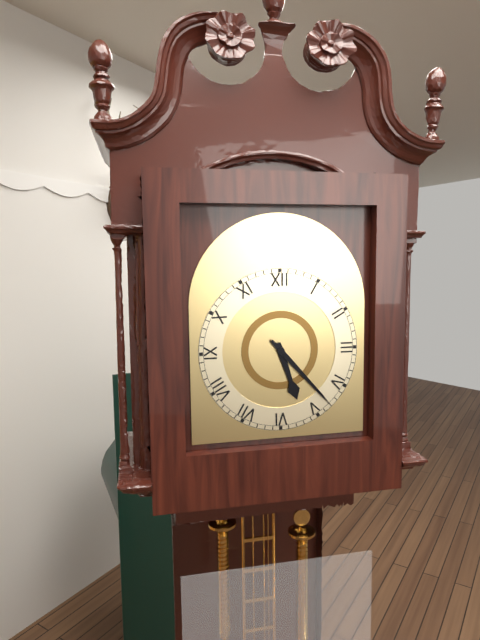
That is 5h23
